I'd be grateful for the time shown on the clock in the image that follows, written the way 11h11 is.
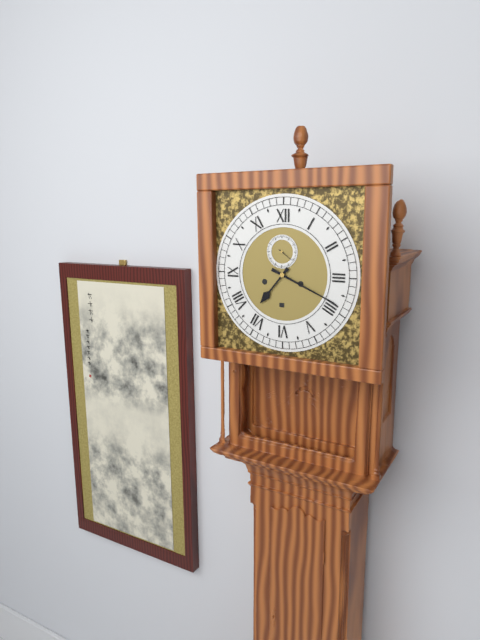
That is 7h19
